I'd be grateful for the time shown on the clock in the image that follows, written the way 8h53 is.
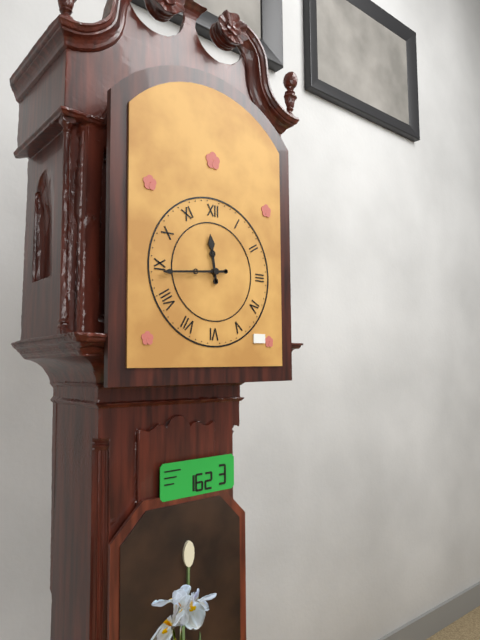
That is 11h44
